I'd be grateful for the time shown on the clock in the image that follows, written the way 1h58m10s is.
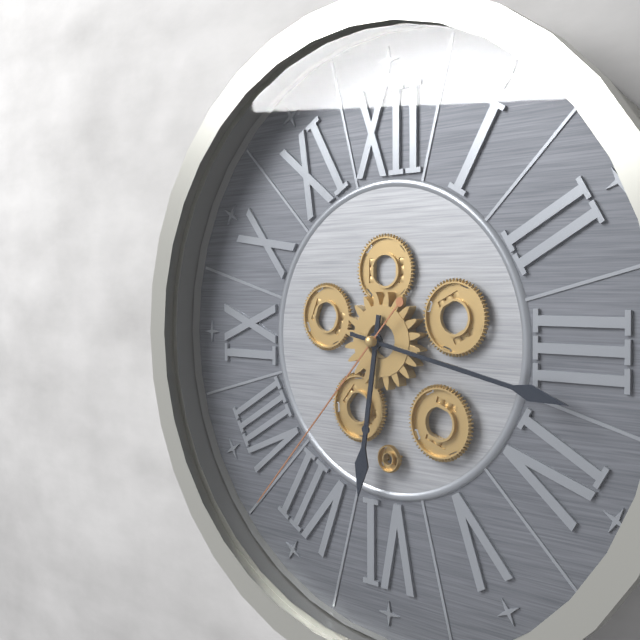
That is 6h17m37s
